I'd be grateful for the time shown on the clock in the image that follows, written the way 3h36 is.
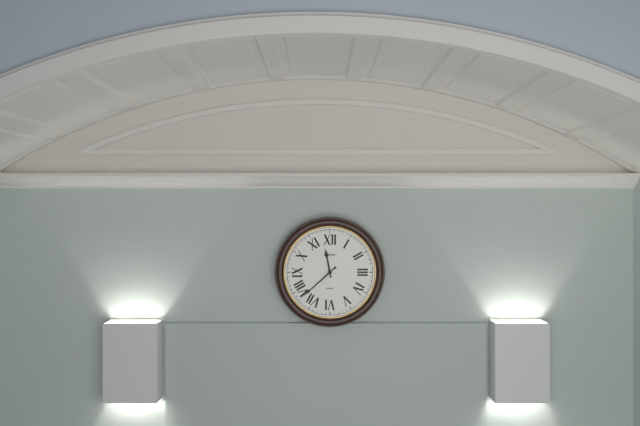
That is 11h38
